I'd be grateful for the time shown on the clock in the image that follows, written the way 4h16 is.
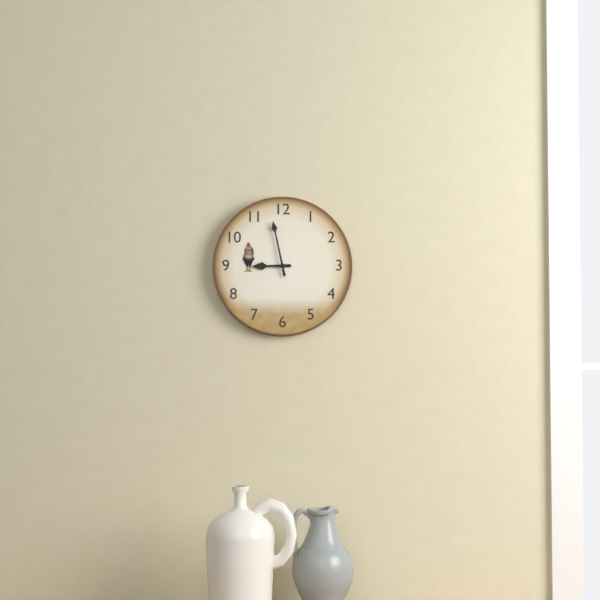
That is 8h58
